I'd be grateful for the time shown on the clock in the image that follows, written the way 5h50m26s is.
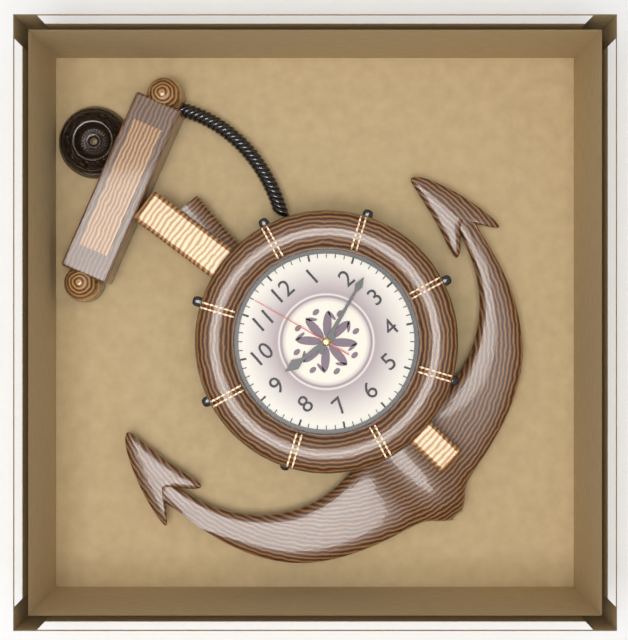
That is 9h12m57s
